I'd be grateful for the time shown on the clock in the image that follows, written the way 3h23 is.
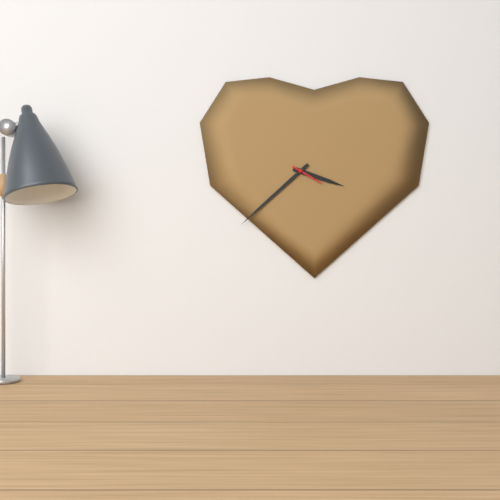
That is 3h38
